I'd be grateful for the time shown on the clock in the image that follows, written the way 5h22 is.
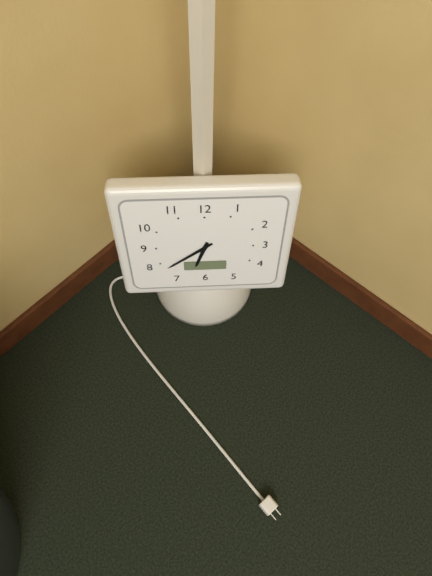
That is 6h39
